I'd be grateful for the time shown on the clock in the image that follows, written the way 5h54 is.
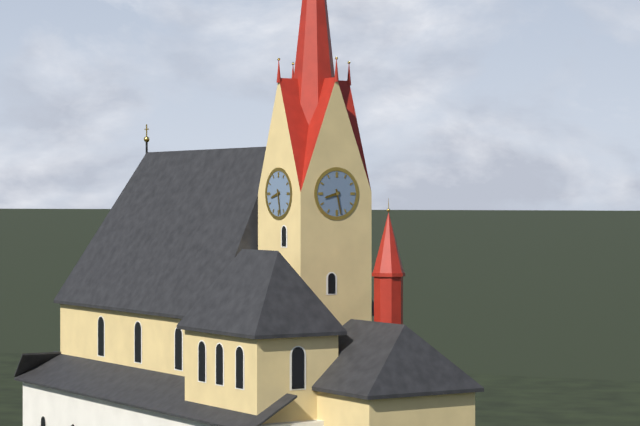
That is 8h28
